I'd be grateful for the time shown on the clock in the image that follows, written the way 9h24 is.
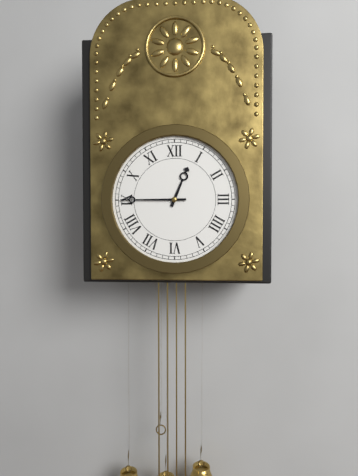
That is 12h45
